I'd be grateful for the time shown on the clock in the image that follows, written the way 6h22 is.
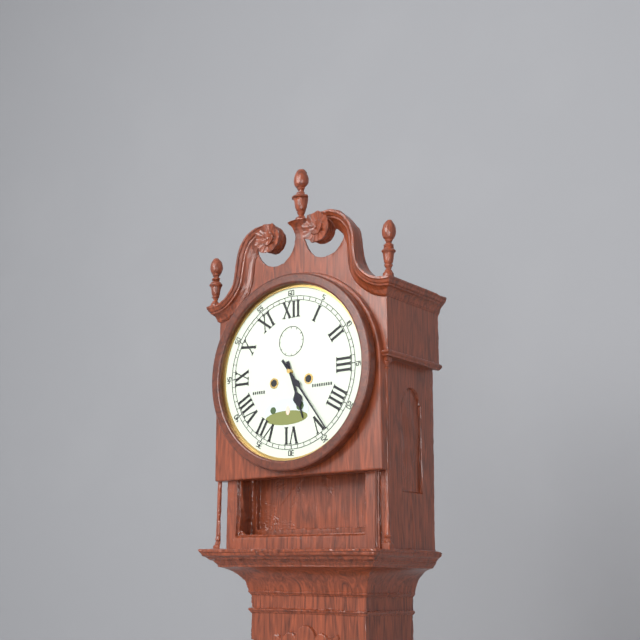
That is 5h24
